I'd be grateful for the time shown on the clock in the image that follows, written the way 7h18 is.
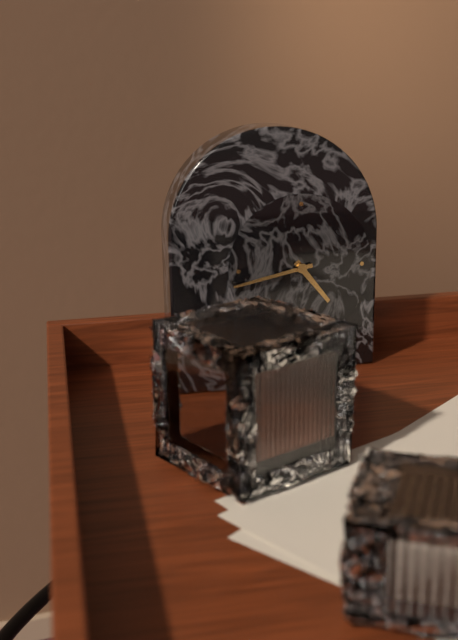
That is 4h43
